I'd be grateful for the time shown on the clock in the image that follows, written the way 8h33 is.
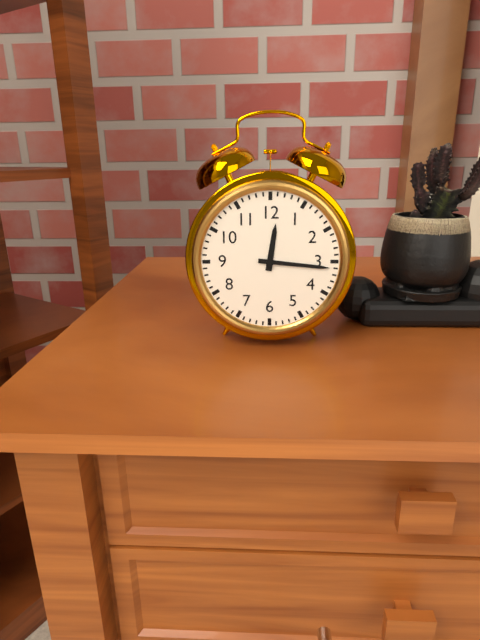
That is 12h16
